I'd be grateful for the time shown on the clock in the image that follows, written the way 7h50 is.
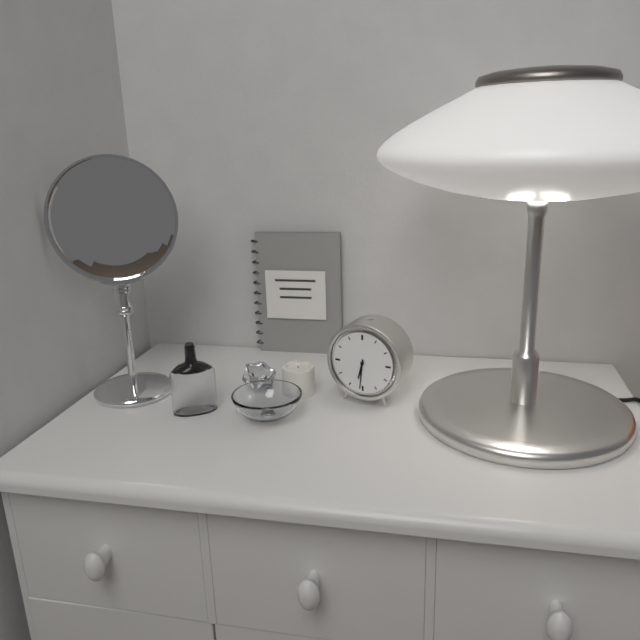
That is 6h31
